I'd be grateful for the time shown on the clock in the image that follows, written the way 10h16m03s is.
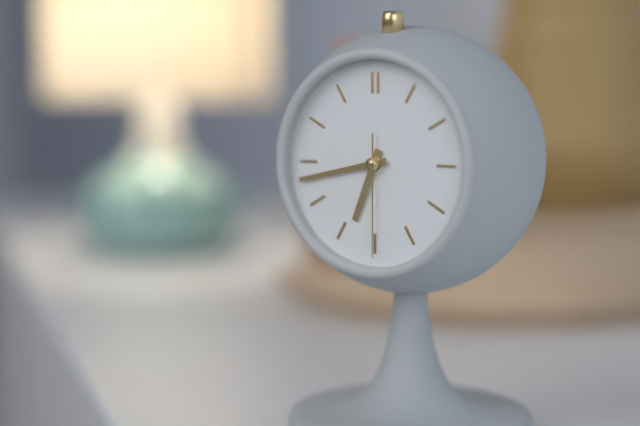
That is 6h43m30s
